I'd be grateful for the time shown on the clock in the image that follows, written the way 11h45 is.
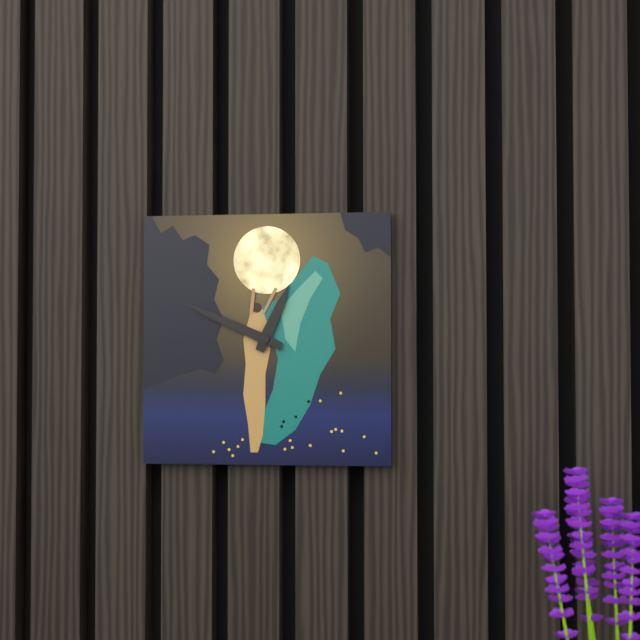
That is 12h49
